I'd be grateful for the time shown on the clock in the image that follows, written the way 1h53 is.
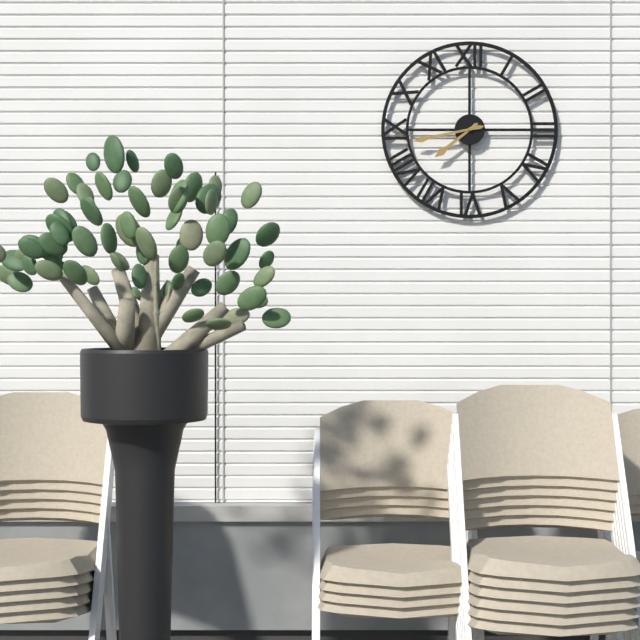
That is 7h43
